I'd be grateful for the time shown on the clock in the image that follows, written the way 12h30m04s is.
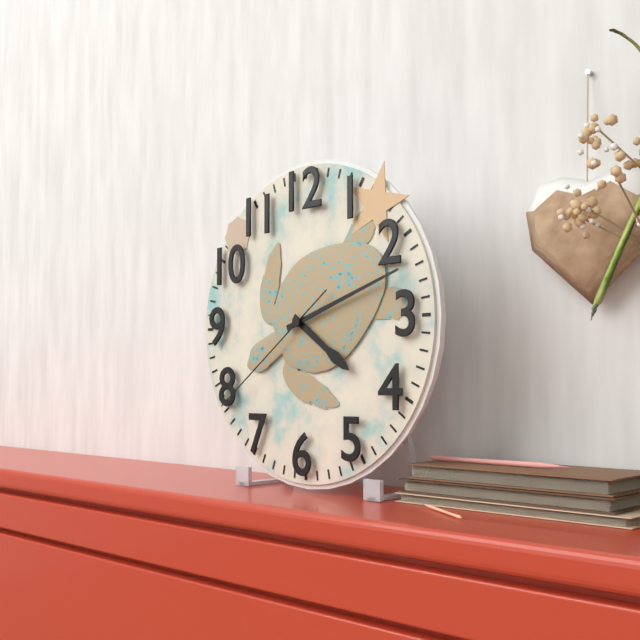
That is 4h12m39s
